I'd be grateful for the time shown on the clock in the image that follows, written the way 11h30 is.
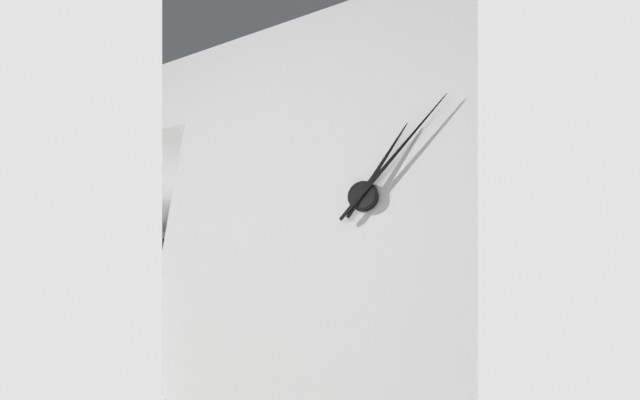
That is 1h07
